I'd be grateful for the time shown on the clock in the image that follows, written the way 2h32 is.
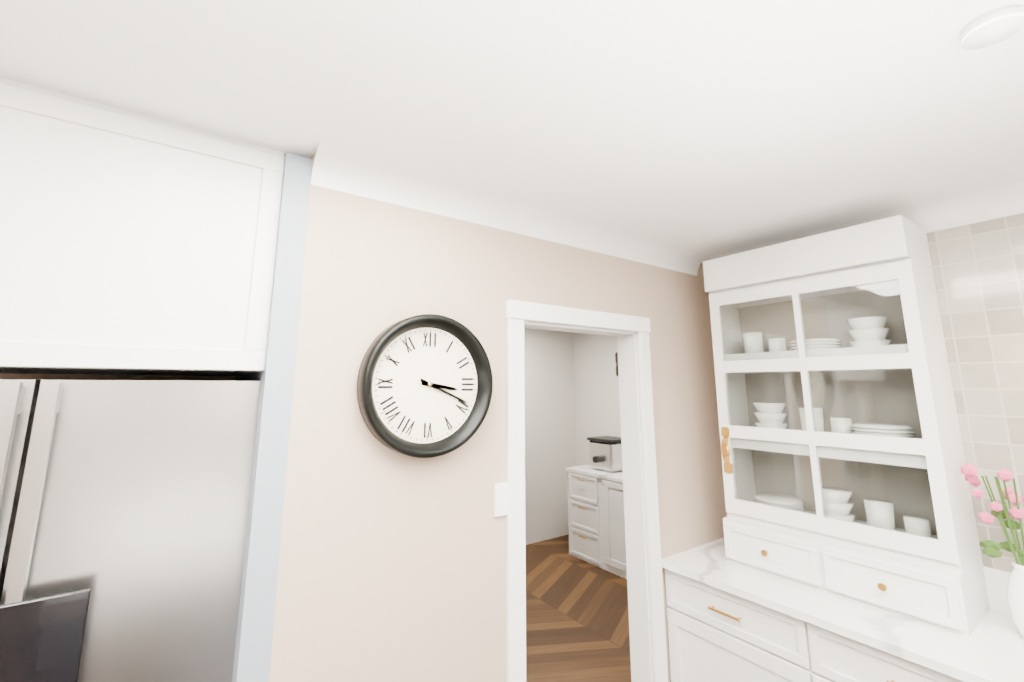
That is 3h19
